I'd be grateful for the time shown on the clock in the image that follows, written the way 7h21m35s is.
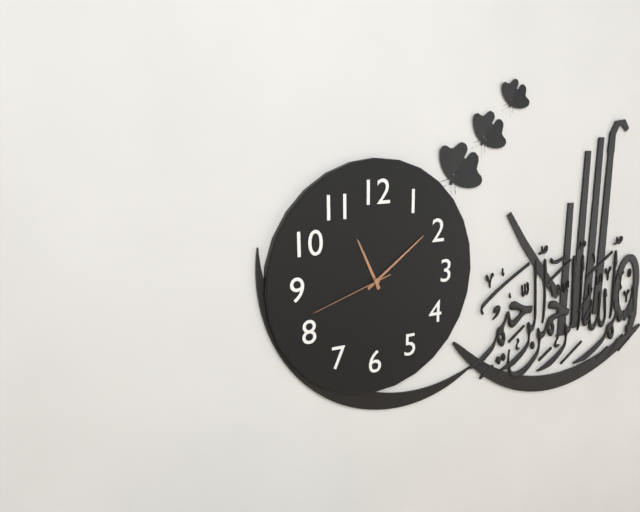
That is 11h09m42s
